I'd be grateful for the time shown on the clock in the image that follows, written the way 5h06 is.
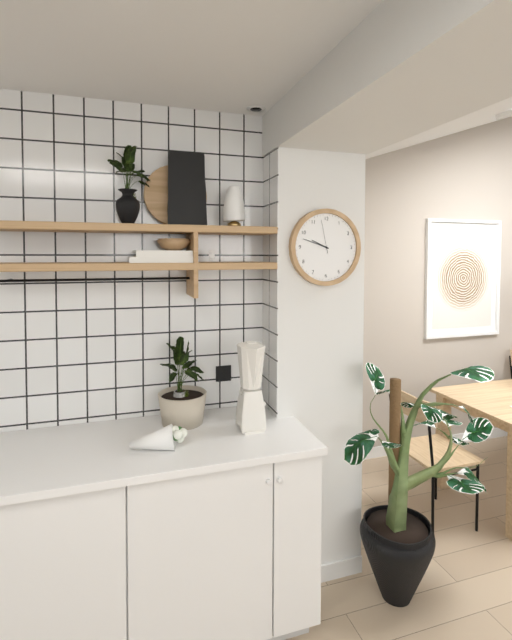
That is 9h48
